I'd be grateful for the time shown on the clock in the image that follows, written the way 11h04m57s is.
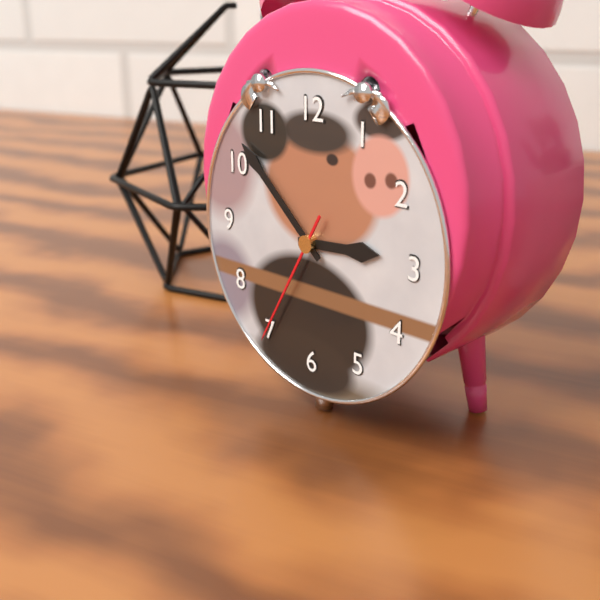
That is 2h52m35s
